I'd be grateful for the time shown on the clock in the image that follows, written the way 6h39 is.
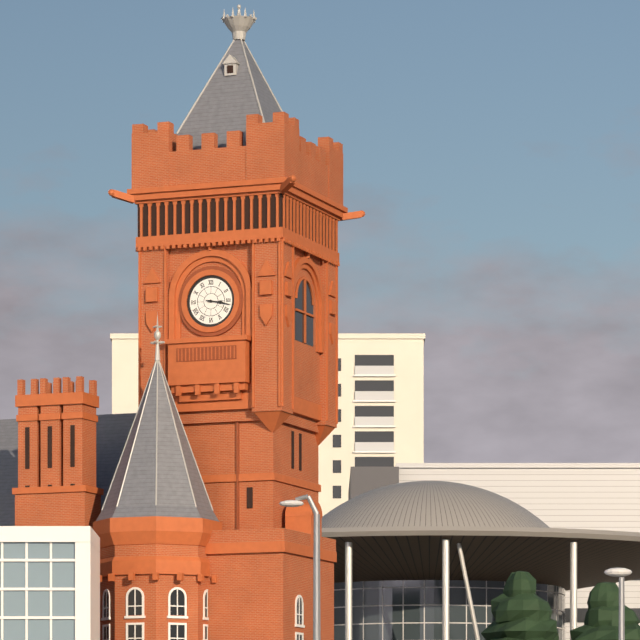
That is 3h17
